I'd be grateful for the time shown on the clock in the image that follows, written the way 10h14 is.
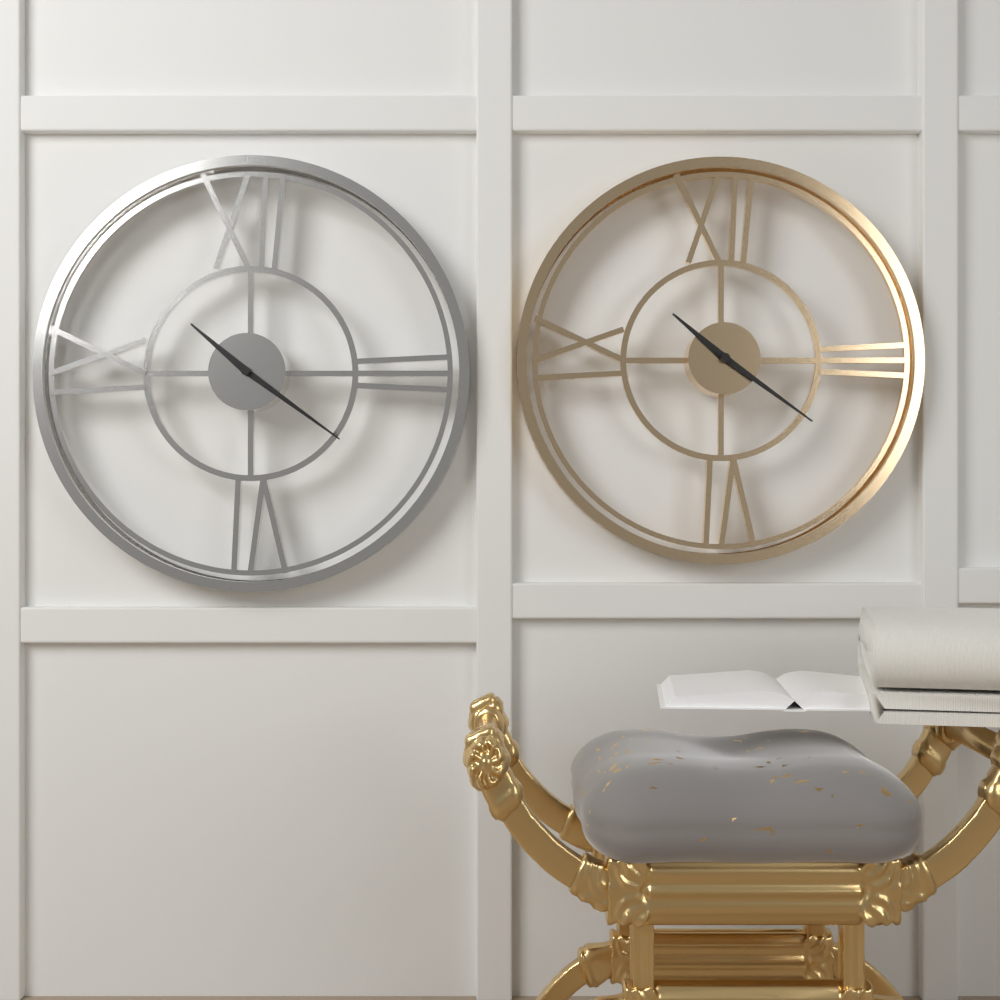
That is 10h21
